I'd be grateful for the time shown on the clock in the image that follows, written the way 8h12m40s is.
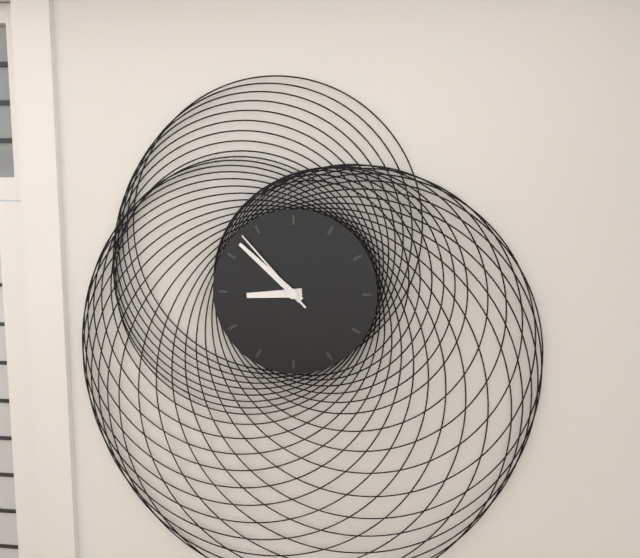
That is 8h52m53s
